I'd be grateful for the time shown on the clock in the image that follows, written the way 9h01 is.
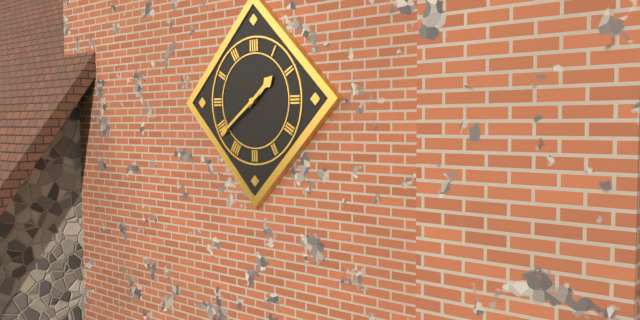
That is 1h39
